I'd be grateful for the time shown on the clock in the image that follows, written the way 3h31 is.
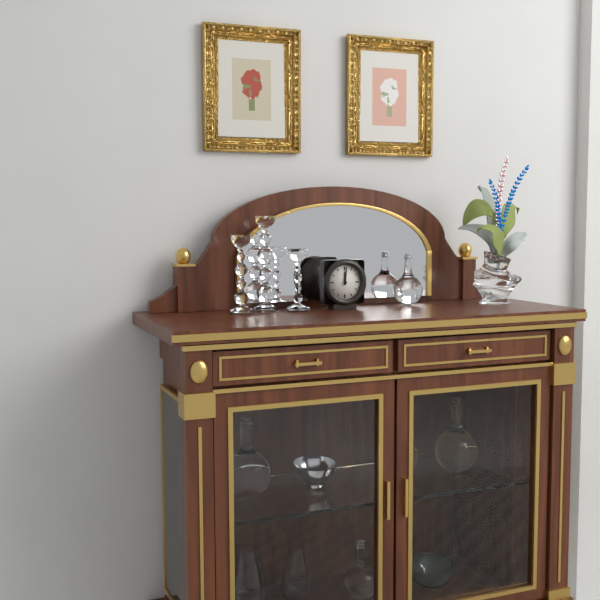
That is 12h01
